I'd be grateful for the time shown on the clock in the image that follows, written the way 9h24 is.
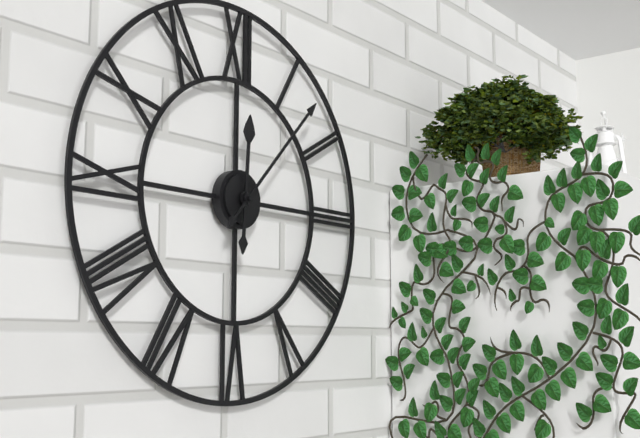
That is 12h07
